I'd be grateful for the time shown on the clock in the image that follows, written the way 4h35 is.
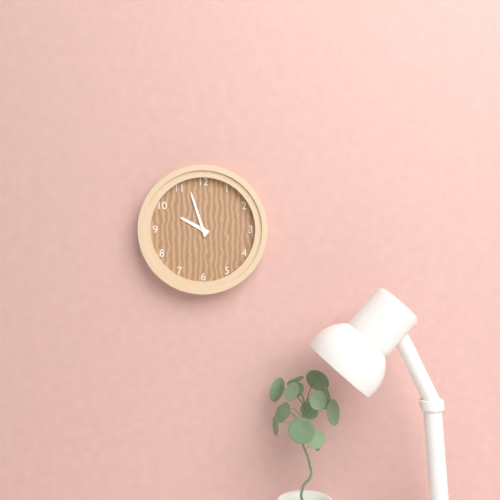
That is 9h57
